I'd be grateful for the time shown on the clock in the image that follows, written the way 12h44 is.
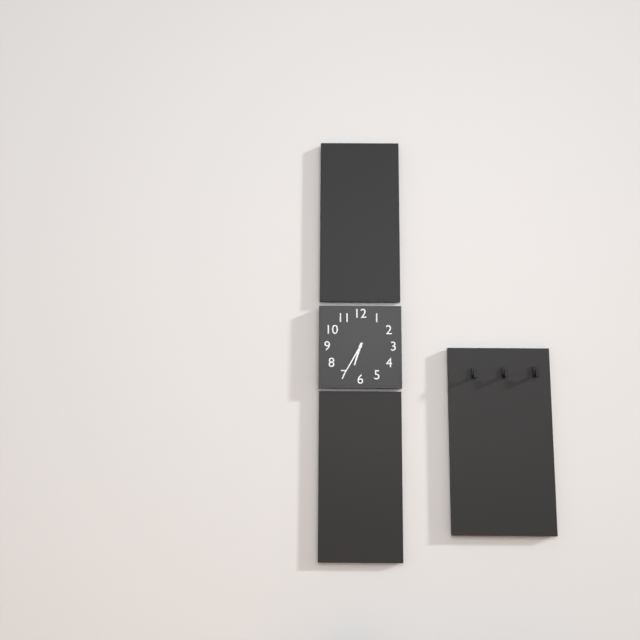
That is 6h35
